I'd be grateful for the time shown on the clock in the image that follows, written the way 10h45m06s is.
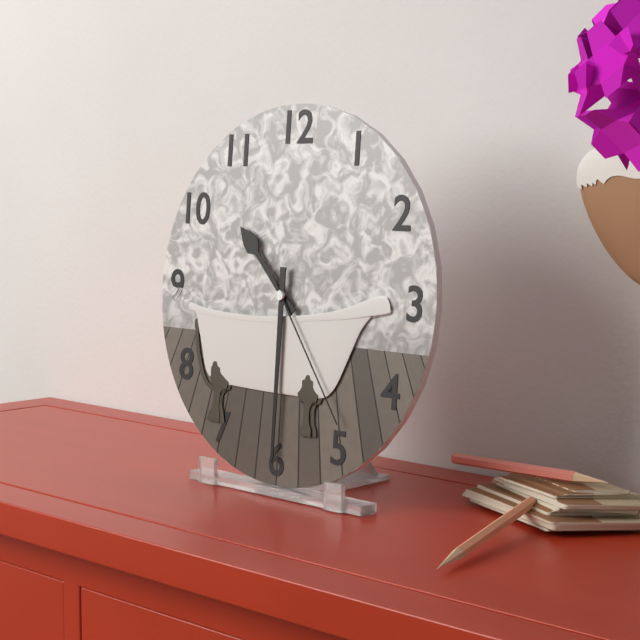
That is 10h30m24s
